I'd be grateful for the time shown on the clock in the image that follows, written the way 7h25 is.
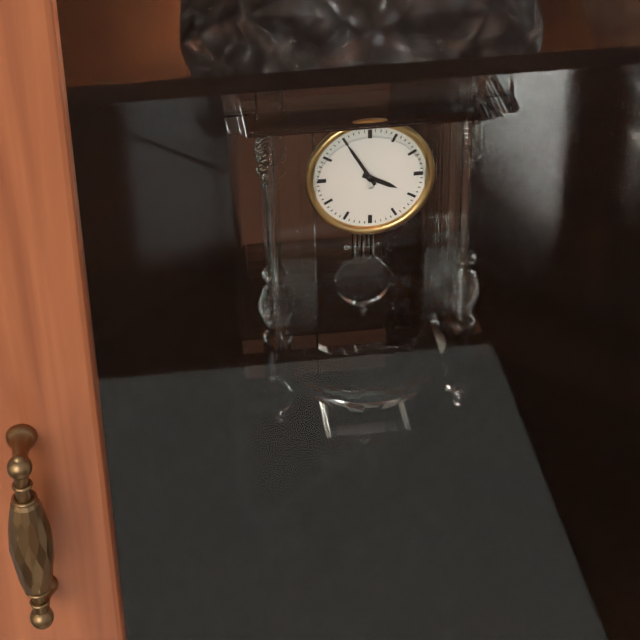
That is 3h55
